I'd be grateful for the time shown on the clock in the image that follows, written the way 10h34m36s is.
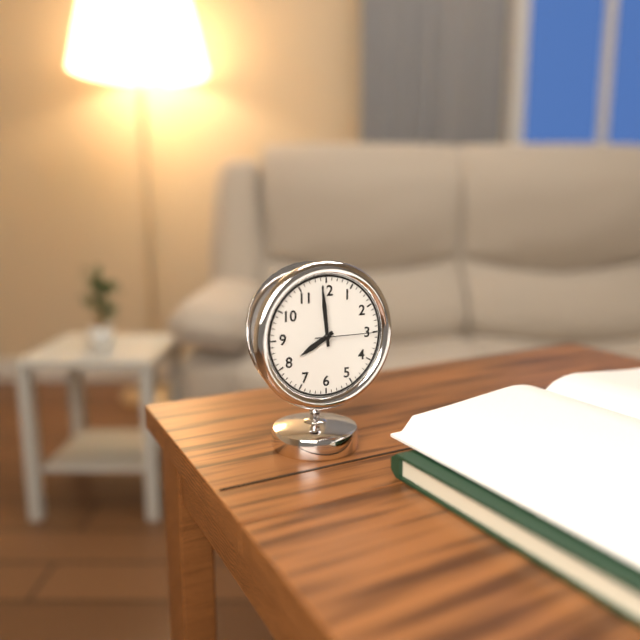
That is 7h59m15s
